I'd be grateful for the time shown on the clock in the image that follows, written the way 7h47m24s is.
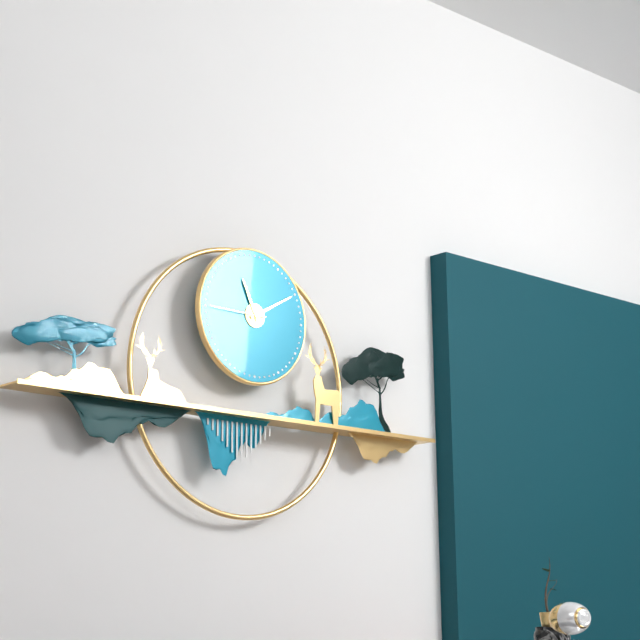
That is 11h10m45s
